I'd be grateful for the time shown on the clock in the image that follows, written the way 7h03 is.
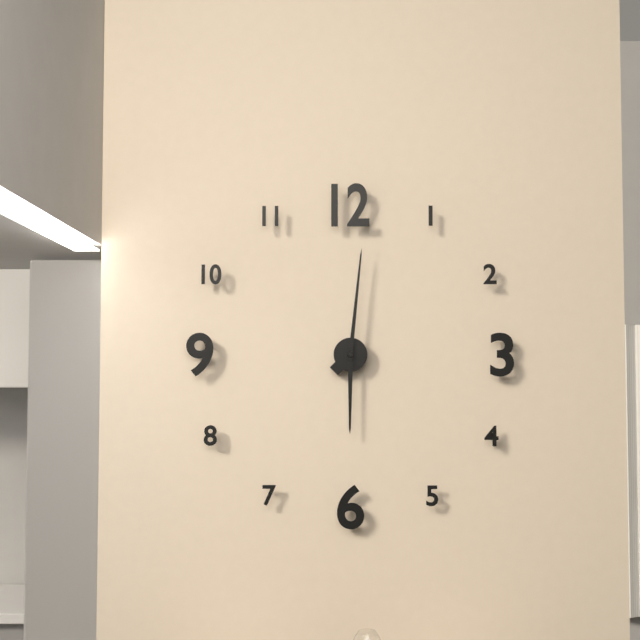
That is 6h01
